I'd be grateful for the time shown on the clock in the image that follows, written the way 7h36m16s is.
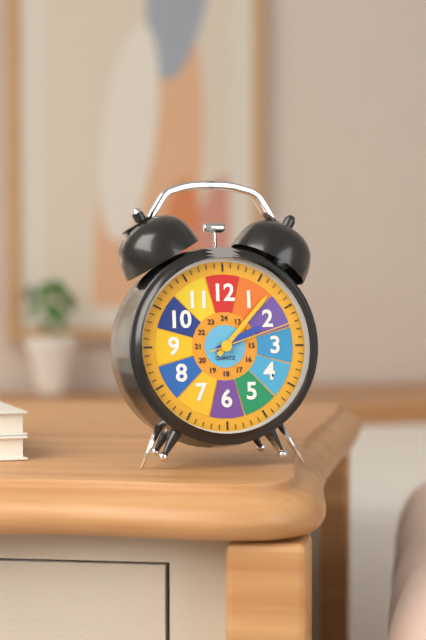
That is 2h07m12s
